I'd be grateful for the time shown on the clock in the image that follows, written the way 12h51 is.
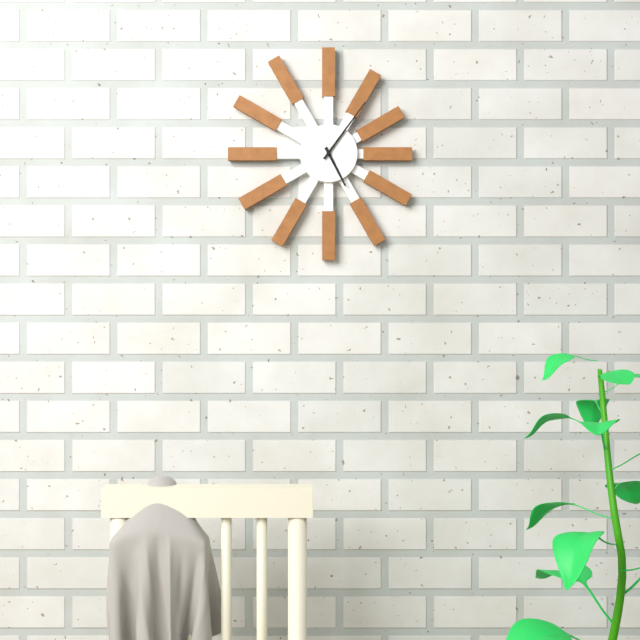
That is 5h06
